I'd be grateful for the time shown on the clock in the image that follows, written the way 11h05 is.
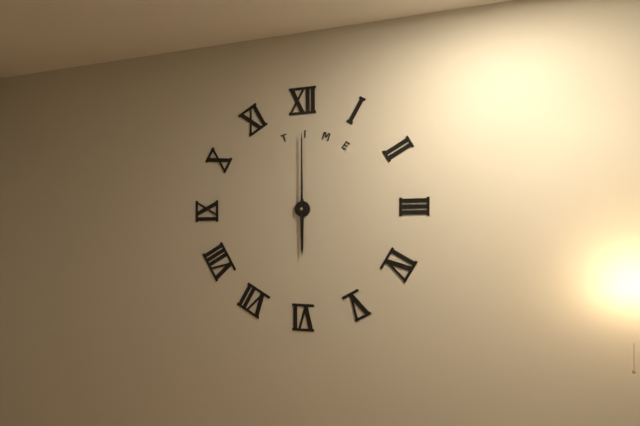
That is 6h00
